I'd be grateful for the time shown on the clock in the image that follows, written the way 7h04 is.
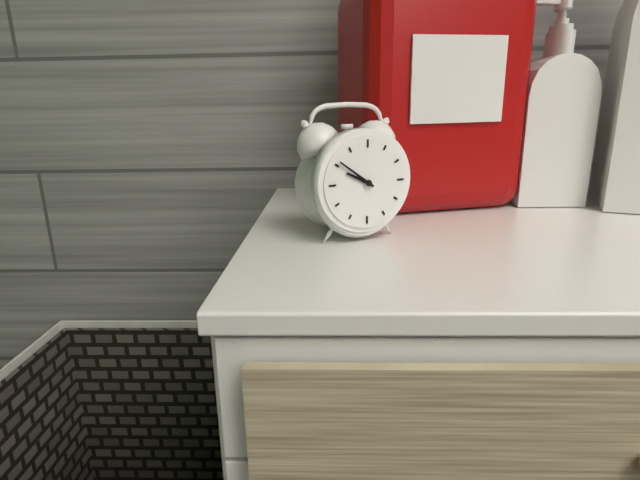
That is 9h51
